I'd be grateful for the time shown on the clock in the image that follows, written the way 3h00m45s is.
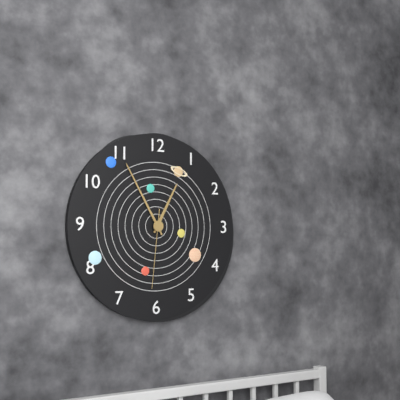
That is 12h55m31s
